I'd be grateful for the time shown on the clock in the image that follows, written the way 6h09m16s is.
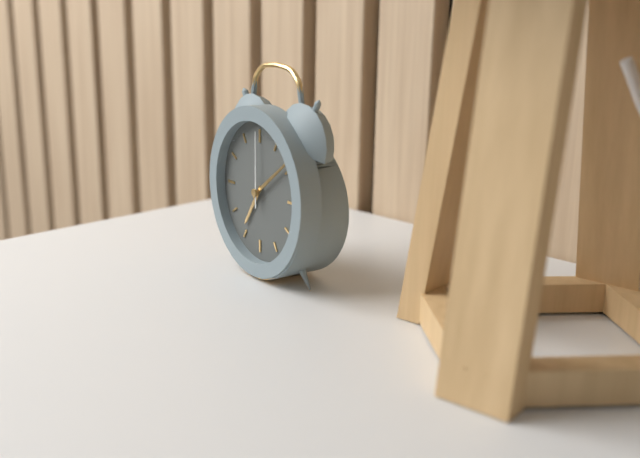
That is 7h09m00s
